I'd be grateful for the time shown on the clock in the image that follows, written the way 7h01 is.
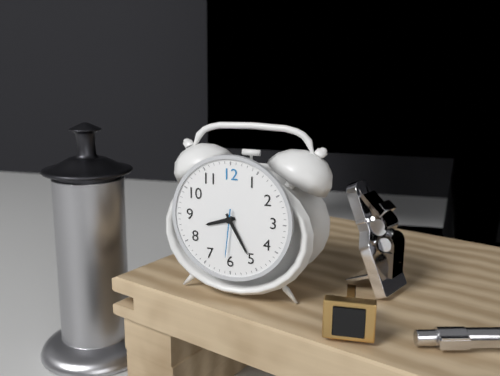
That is 8h25
